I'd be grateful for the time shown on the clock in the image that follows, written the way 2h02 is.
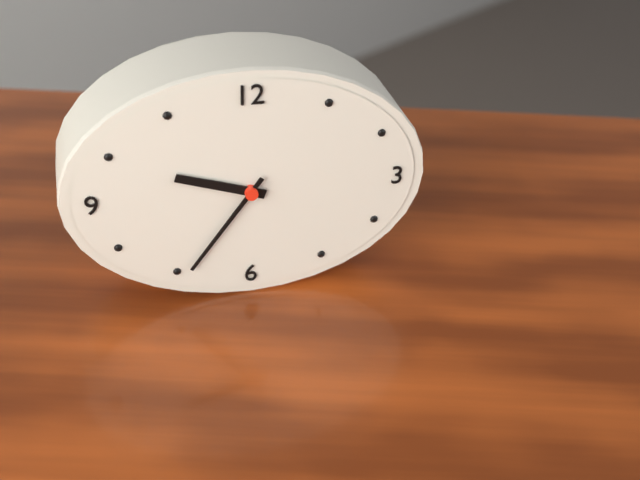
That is 9h36
